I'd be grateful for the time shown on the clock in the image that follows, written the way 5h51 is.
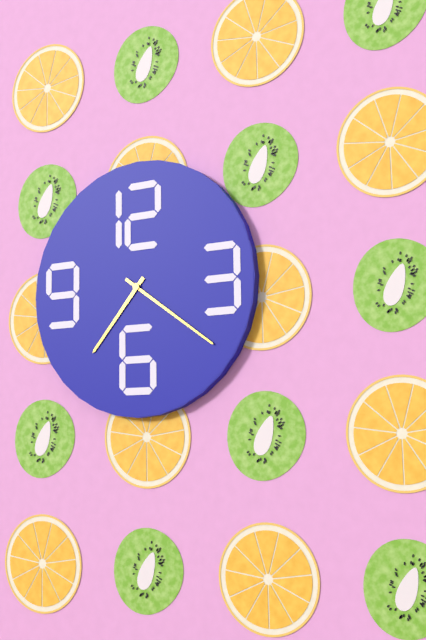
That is 7h21
